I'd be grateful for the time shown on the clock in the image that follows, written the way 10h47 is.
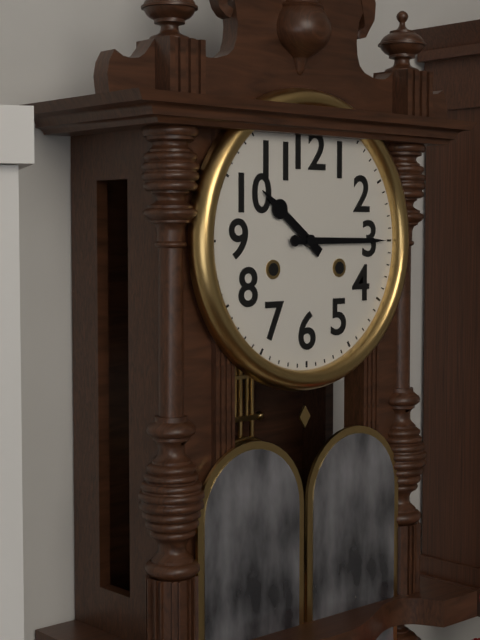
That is 10h15
